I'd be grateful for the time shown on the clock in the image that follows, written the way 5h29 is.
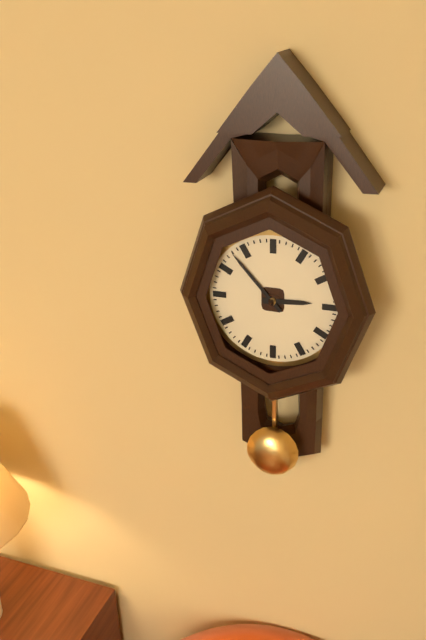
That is 2h53
